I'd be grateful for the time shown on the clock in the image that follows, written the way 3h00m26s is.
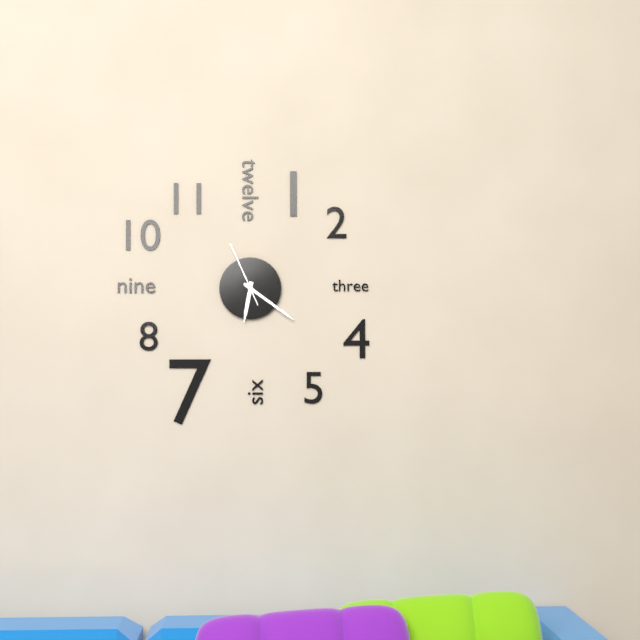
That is 6h21m56s
